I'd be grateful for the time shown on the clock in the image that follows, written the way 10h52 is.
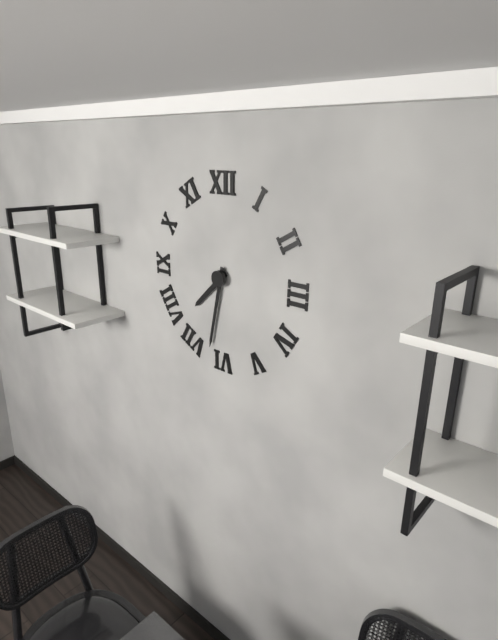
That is 7h32
